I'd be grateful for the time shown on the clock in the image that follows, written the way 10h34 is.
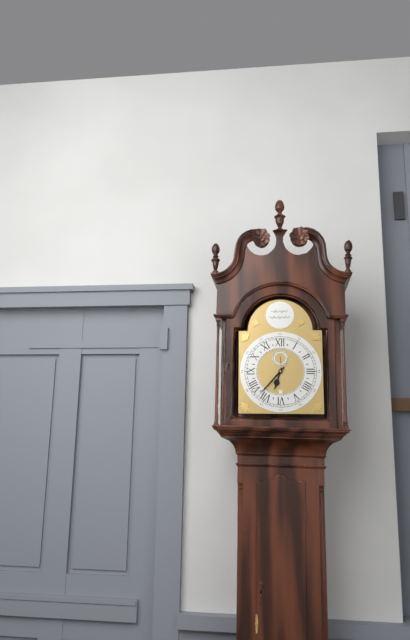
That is 6h37
